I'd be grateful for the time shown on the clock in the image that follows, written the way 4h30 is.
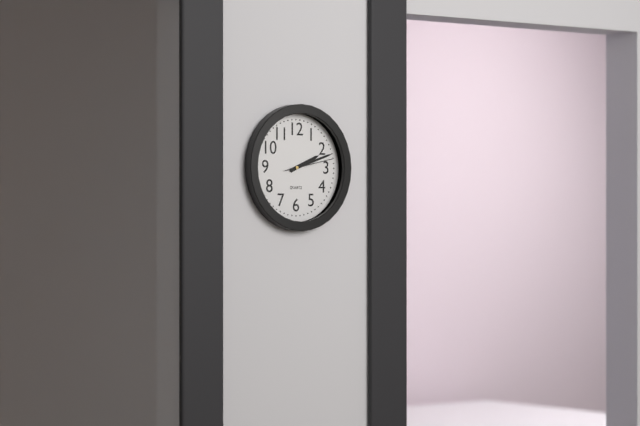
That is 2h12
